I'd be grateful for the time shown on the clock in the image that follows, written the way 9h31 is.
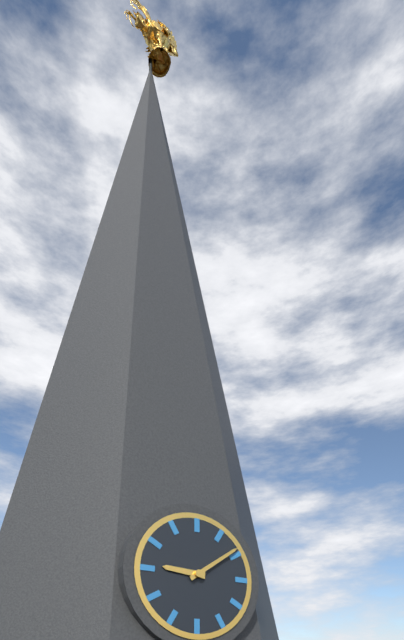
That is 9h09
